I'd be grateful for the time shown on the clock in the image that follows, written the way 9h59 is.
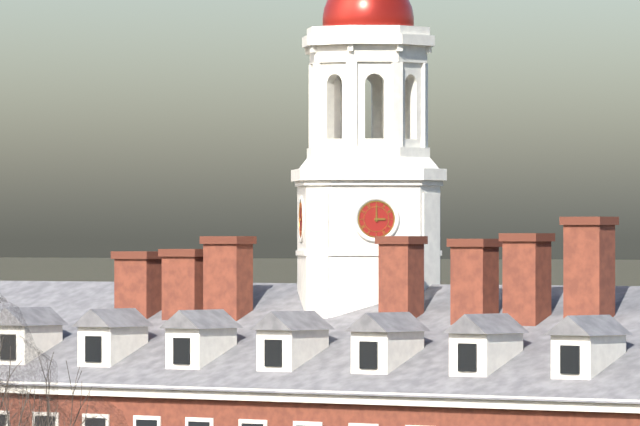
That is 3h00
